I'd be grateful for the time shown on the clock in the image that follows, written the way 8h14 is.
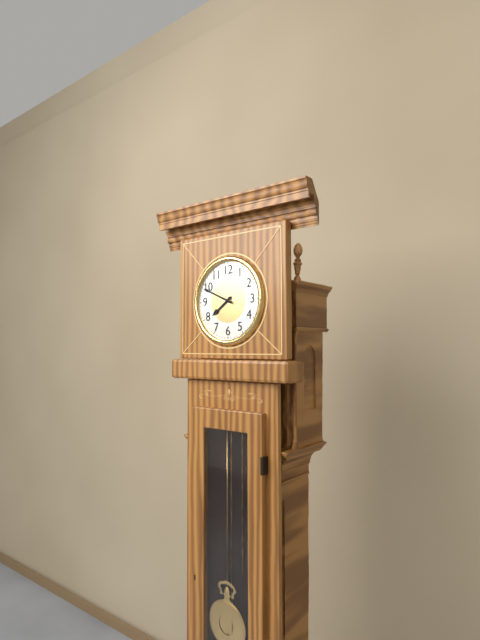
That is 7h49
